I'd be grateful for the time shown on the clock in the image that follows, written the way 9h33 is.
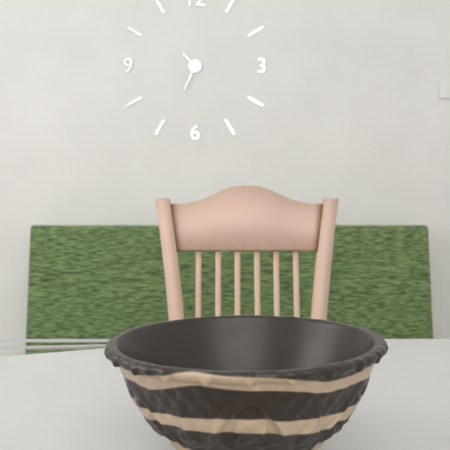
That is 10h34
